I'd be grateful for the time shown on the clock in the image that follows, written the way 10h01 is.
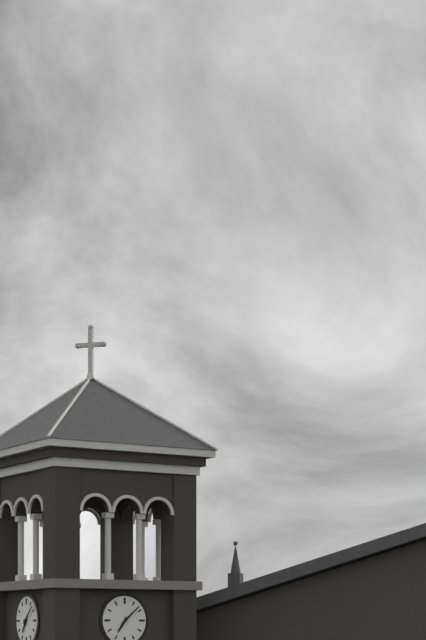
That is 7h08
